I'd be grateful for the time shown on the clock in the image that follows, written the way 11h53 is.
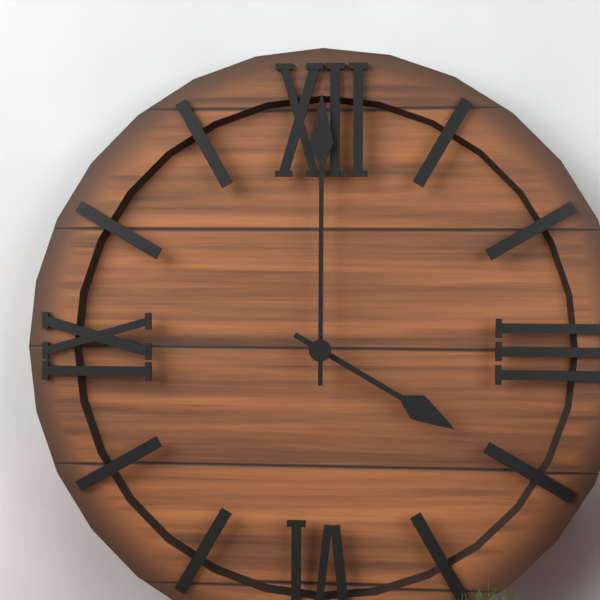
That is 4h00
